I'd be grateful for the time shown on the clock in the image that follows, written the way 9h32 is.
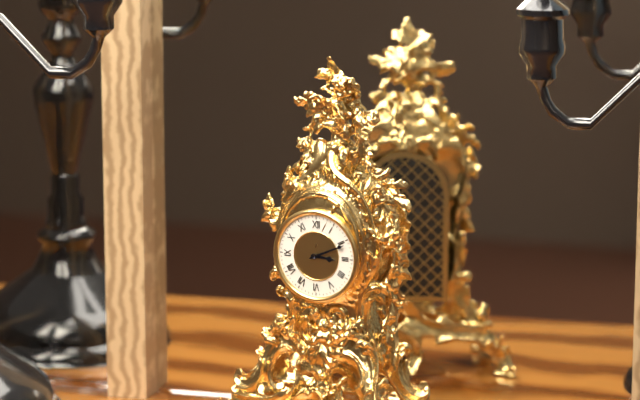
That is 3h11
